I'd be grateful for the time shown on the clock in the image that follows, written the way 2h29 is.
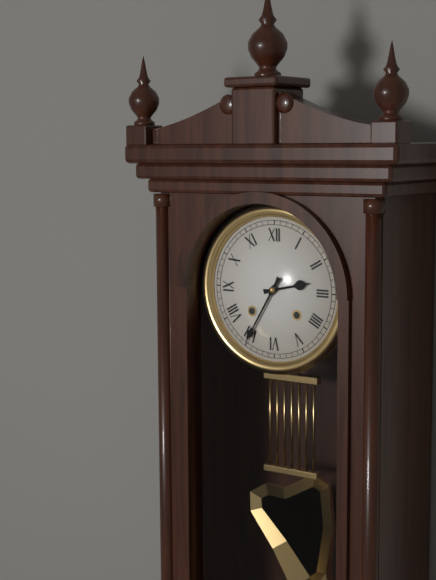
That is 2h35
